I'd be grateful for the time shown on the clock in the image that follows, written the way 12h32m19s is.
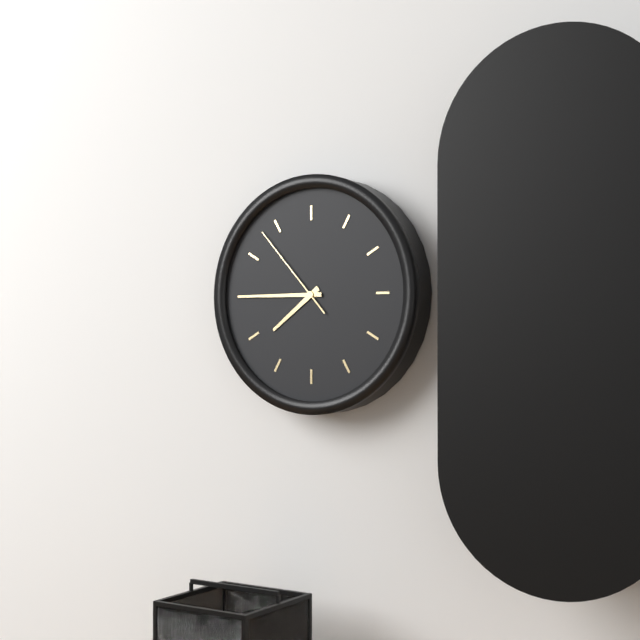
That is 7h45m53s
